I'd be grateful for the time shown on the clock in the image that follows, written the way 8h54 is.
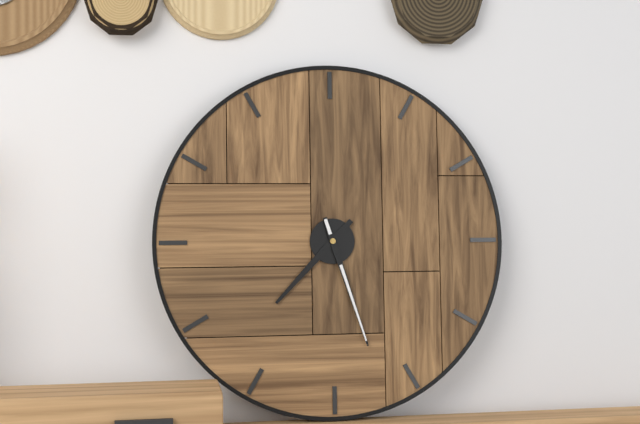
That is 7h27
